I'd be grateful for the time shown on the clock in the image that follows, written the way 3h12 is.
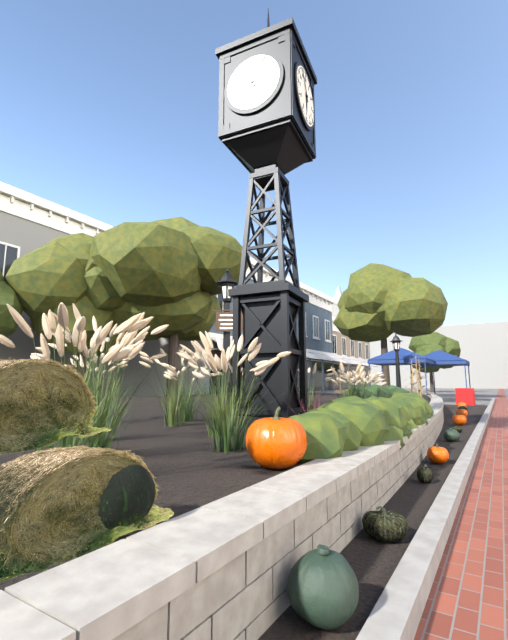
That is 5h55
